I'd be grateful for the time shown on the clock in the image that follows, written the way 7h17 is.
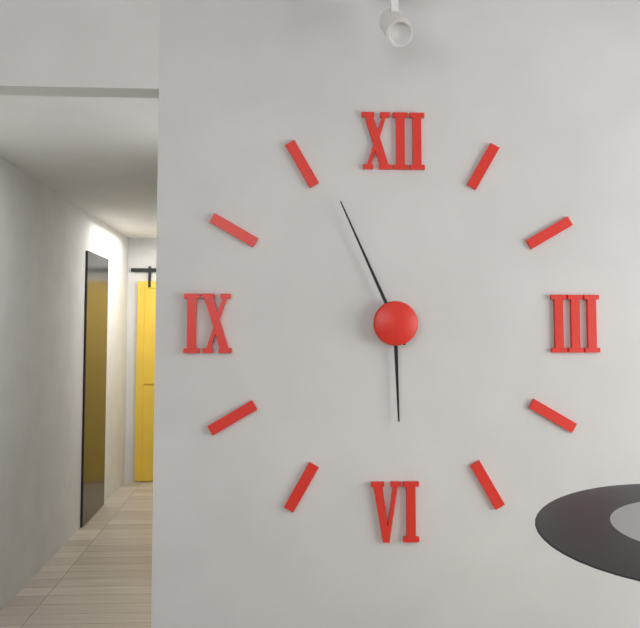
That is 5h56
